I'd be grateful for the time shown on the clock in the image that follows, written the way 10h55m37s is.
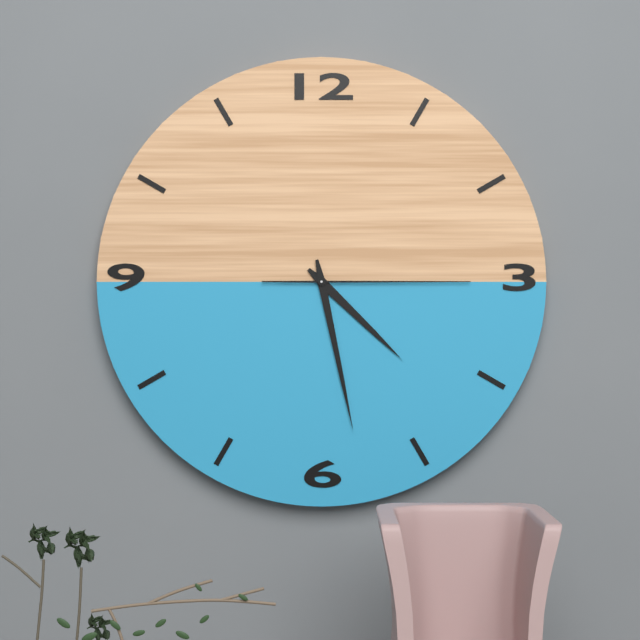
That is 4h28m15s
